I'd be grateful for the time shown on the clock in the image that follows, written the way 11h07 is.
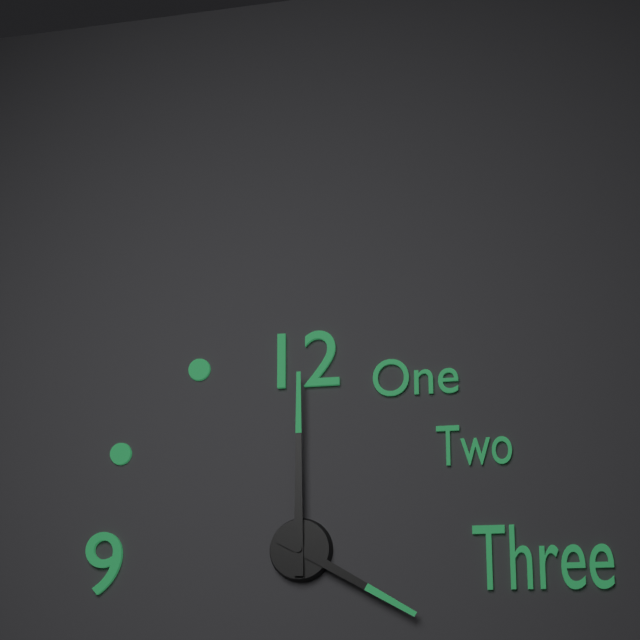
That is 4h00
